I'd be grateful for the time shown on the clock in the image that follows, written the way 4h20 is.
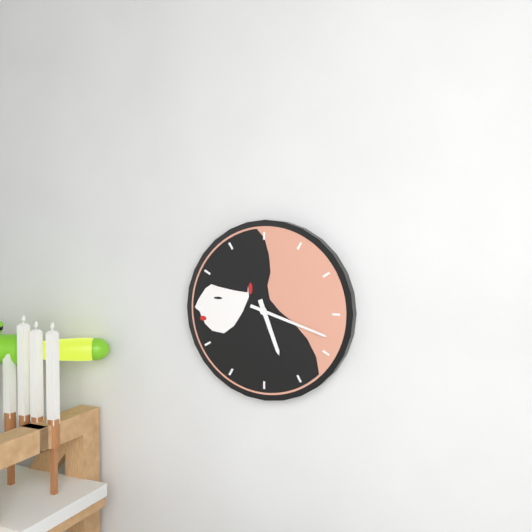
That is 5h18
